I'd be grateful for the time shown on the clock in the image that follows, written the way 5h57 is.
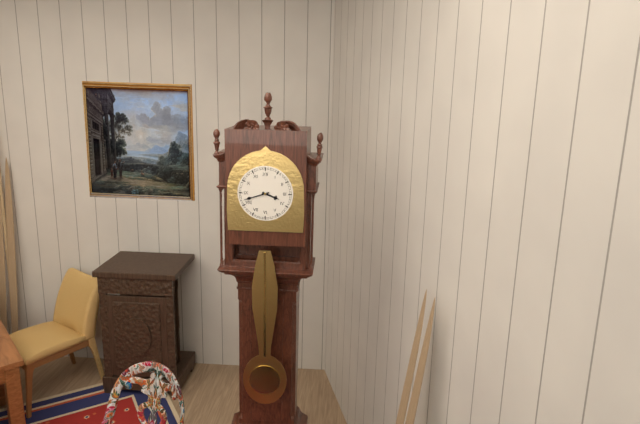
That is 3h42
